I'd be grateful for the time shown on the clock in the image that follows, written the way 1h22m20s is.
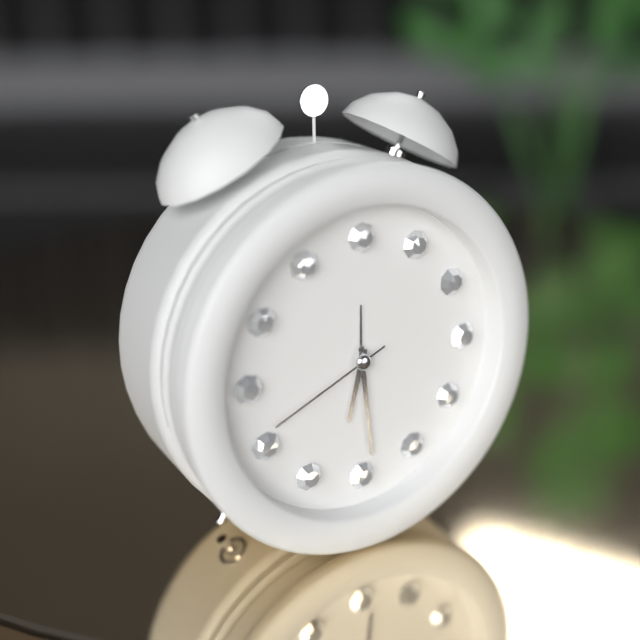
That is 6h29m41s
